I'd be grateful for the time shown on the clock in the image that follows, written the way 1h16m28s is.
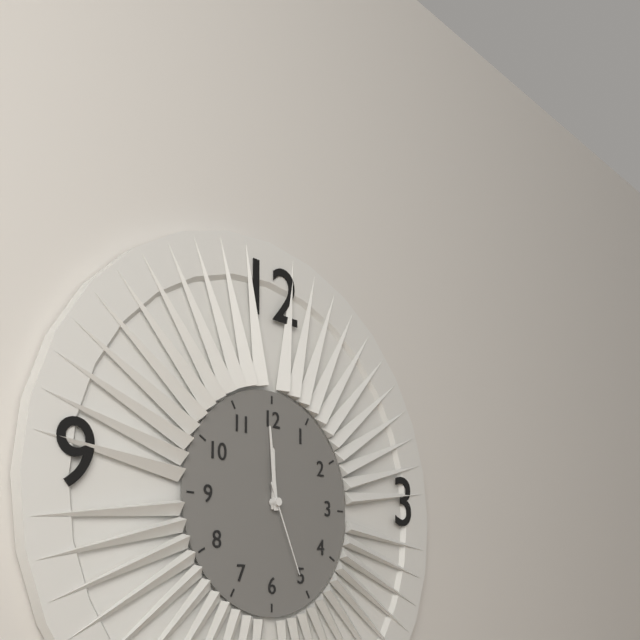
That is 11h59m26s
